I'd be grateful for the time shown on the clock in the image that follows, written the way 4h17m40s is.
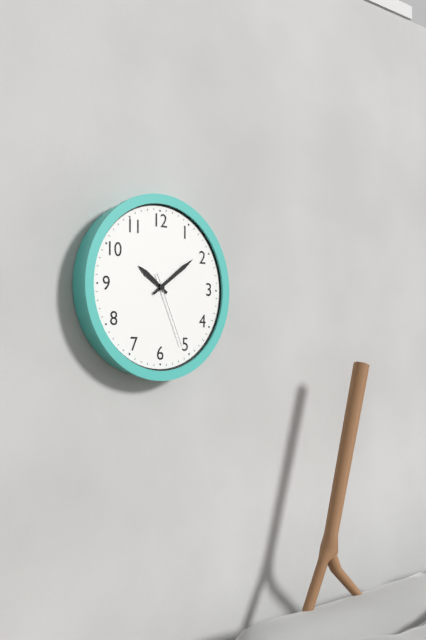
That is 10h09m26s
